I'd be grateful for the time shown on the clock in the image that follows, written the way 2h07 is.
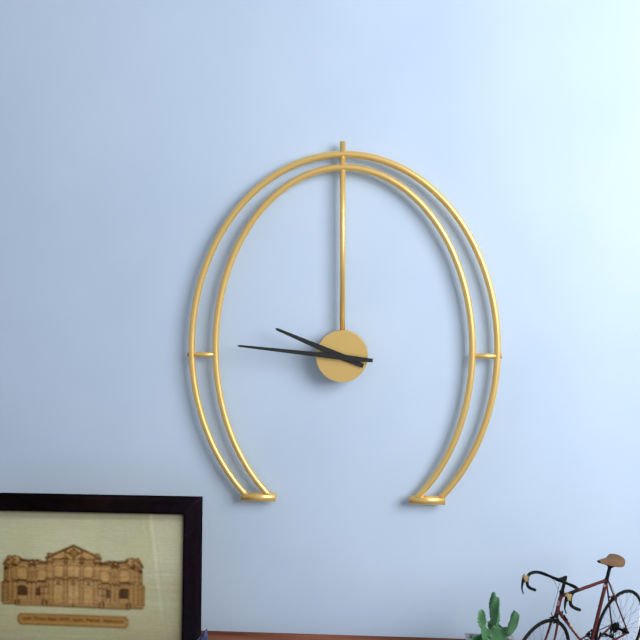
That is 9h46
